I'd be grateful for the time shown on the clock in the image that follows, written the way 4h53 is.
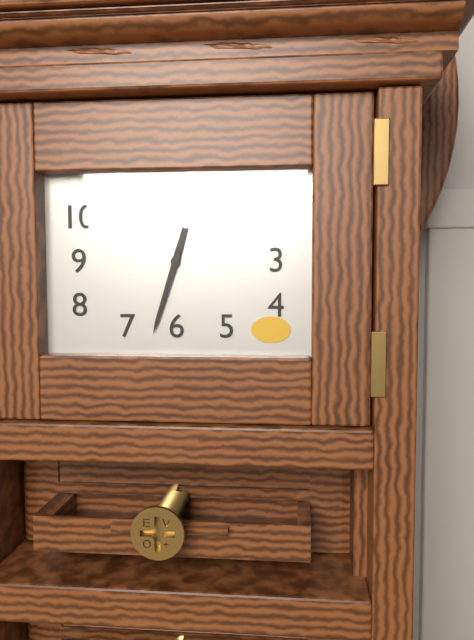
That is 12h33
